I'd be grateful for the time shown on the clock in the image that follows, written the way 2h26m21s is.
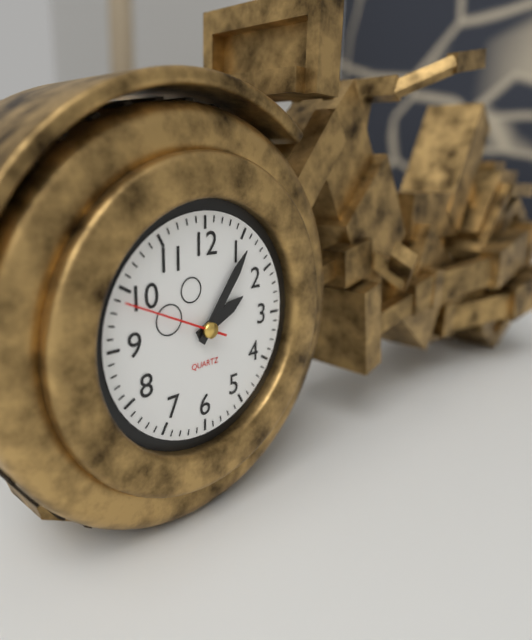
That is 2h06m49s
